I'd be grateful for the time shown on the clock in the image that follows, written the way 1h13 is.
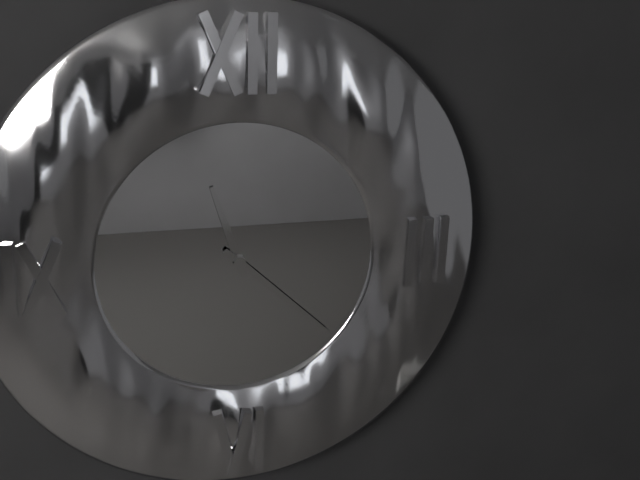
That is 11h22
